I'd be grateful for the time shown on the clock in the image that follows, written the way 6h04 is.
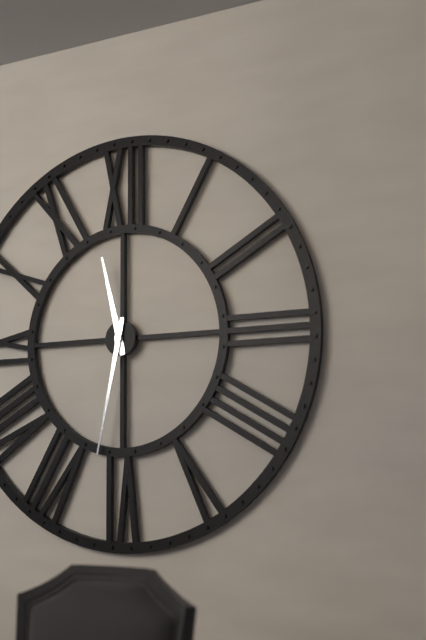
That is 11h32
